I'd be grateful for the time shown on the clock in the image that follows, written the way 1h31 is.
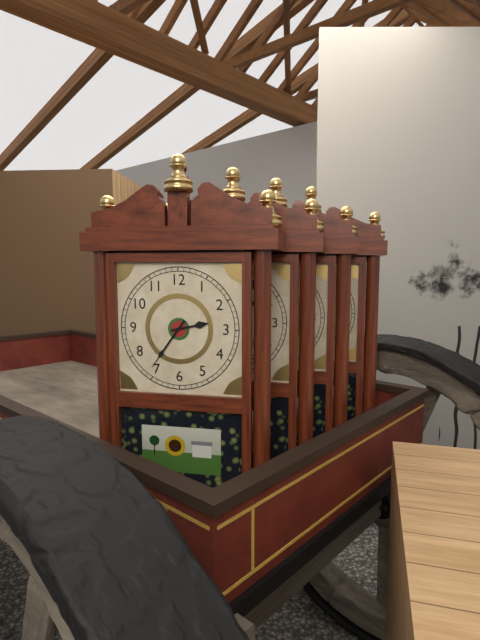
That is 2h36
